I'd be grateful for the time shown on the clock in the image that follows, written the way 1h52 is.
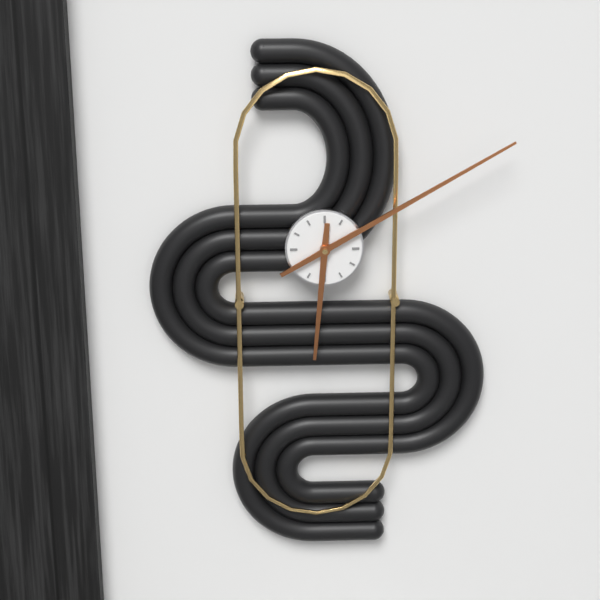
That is 6h10
